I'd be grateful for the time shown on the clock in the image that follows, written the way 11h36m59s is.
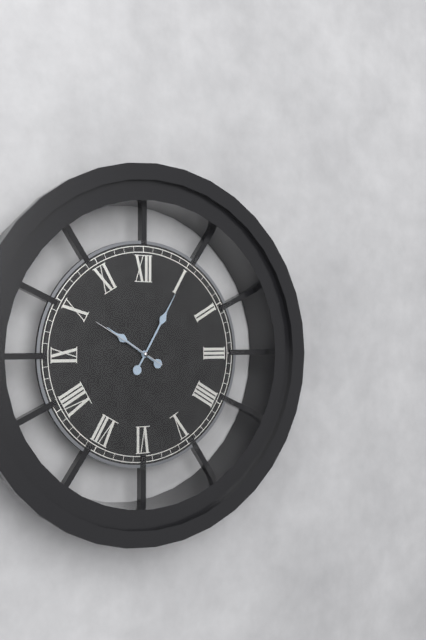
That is 10h05m50s
